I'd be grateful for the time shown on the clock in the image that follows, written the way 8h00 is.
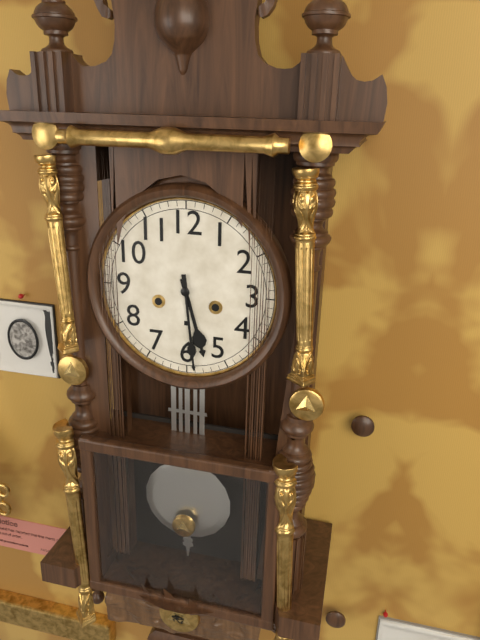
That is 5h29
